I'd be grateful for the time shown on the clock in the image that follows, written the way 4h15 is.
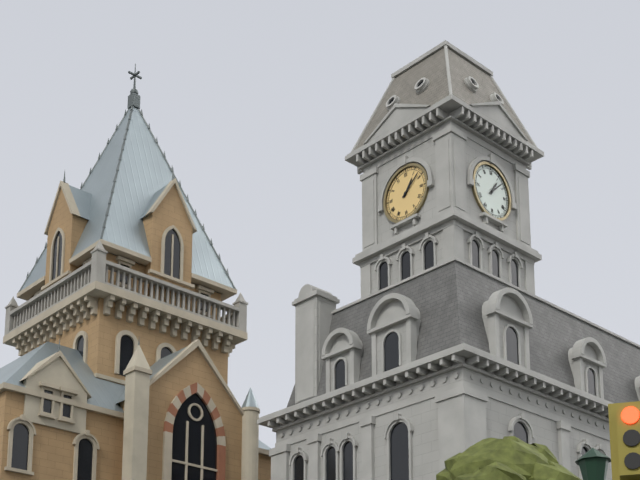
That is 1h08
